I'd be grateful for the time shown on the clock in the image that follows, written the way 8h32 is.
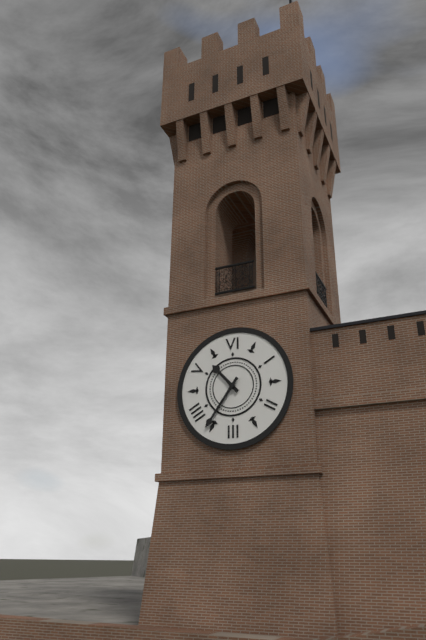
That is 10h36
